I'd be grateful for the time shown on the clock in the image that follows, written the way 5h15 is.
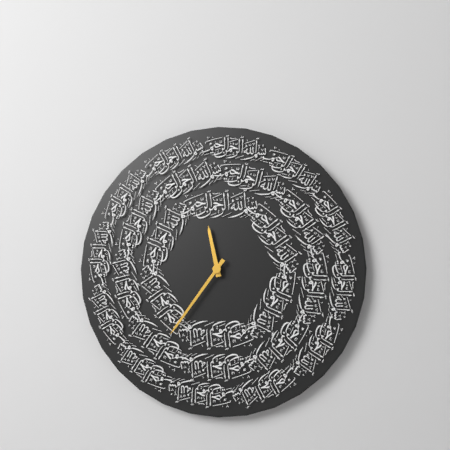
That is 11h36
